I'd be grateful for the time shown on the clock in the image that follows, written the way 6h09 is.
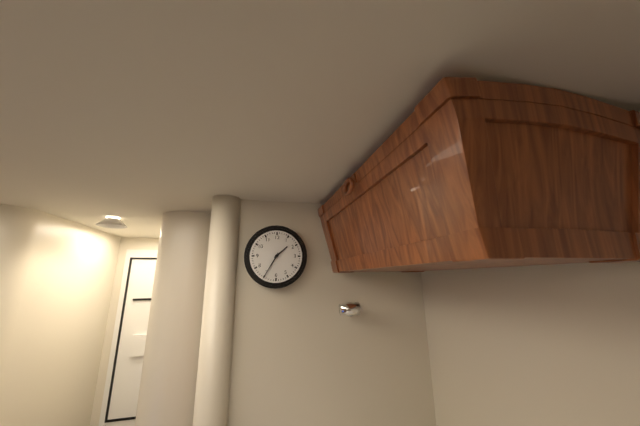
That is 1h35
